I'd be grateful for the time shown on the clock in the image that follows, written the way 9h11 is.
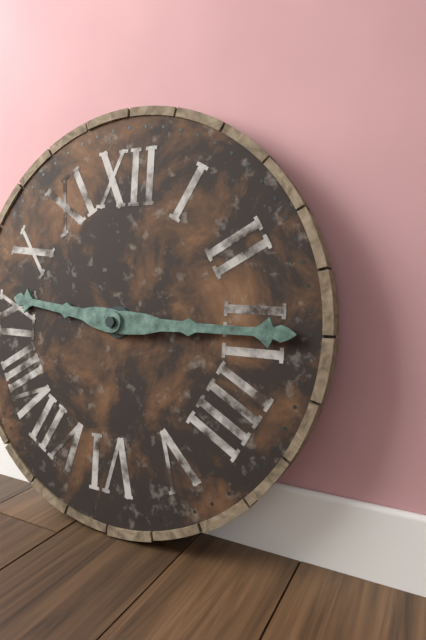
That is 9h15
